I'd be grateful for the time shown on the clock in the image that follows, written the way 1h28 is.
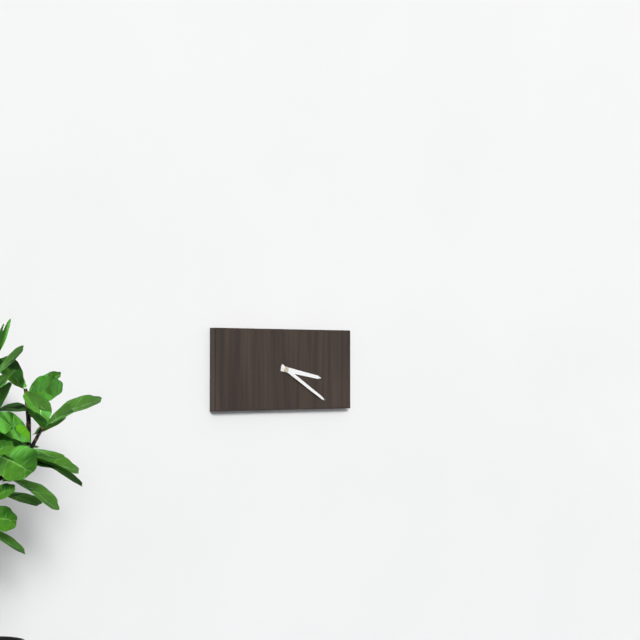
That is 3h20
